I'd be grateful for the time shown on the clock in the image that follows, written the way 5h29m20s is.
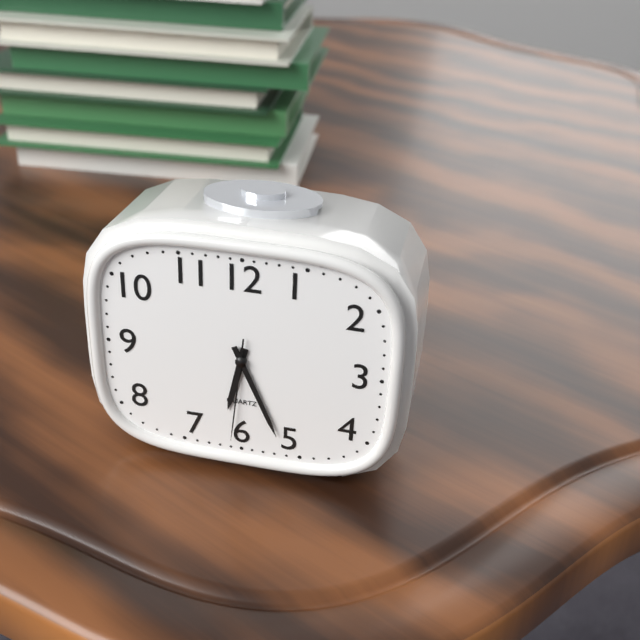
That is 6h26m31s
